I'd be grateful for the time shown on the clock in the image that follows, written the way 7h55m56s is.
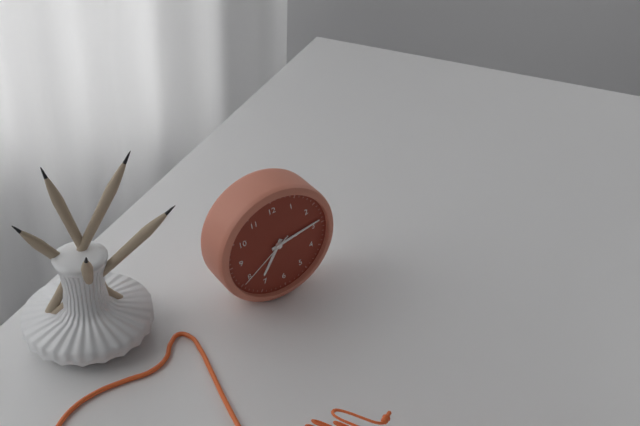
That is 7h14m40s
